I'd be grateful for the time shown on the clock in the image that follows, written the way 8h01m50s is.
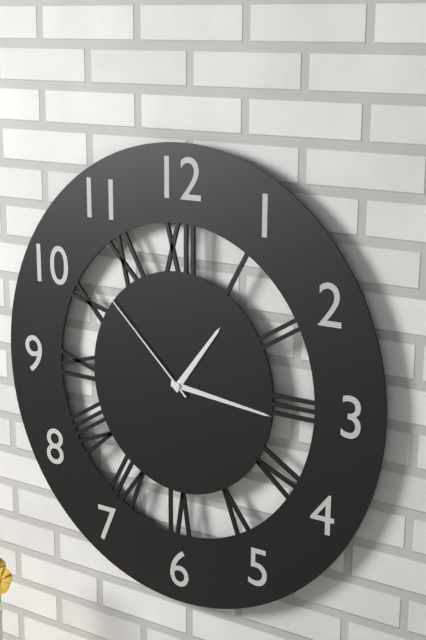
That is 1h16m52s
